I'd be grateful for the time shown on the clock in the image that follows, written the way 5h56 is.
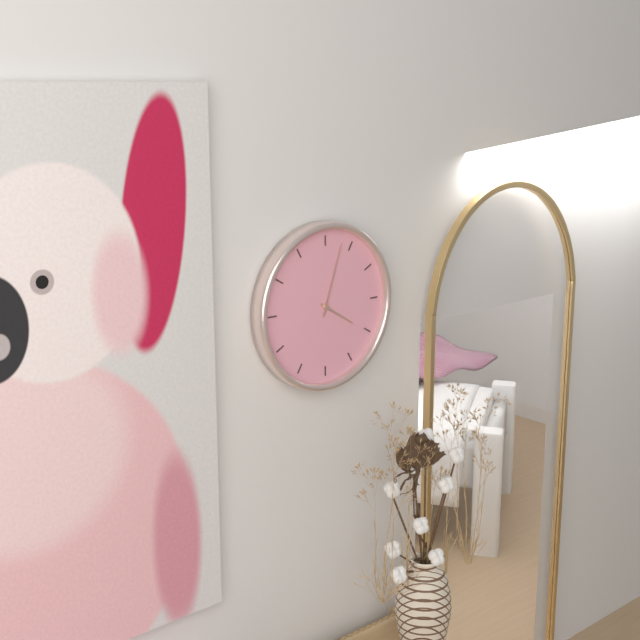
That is 4h03
